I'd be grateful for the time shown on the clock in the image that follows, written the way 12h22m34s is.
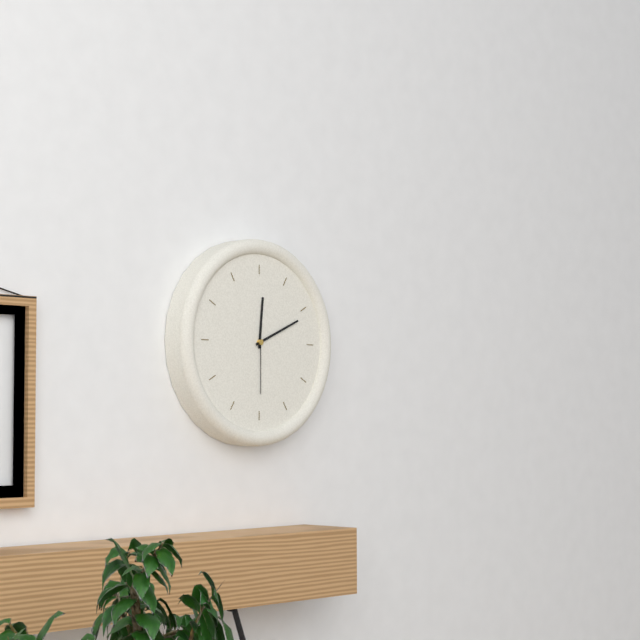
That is 12h11m30s
